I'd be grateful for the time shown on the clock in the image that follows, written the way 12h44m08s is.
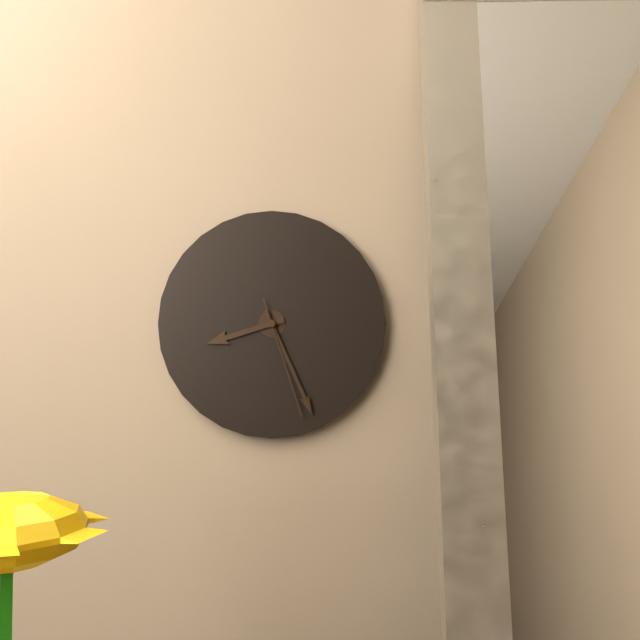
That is 8h26m27s
